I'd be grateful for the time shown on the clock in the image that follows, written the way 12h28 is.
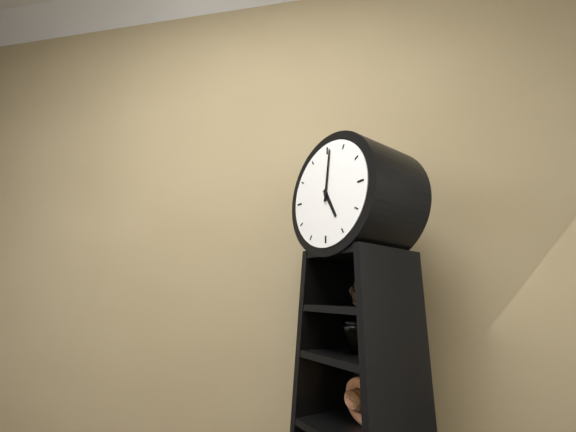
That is 5h01
